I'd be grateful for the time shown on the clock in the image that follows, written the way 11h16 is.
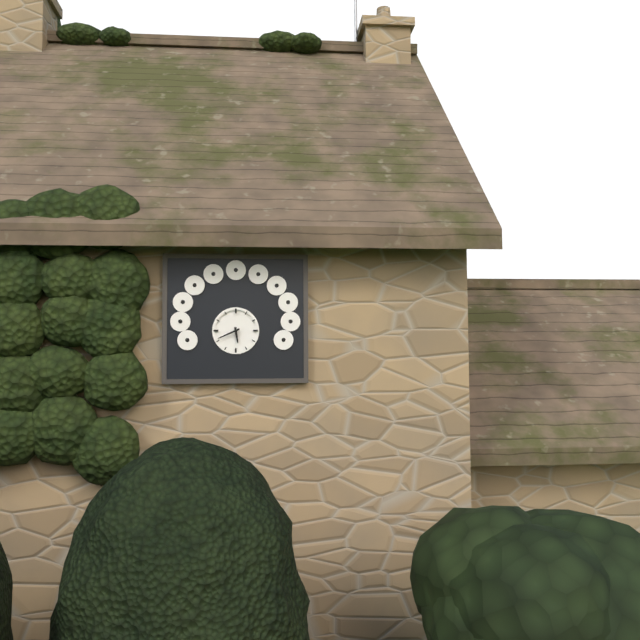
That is 5h41
